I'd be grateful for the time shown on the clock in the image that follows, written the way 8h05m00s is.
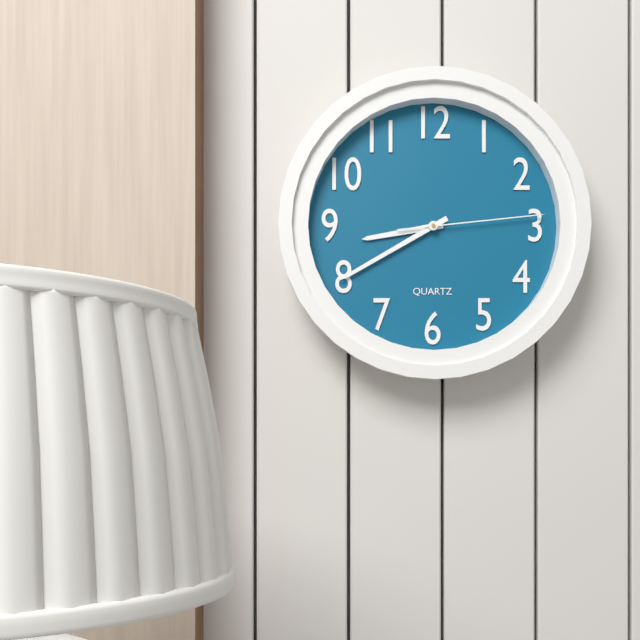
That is 8h40m14s
